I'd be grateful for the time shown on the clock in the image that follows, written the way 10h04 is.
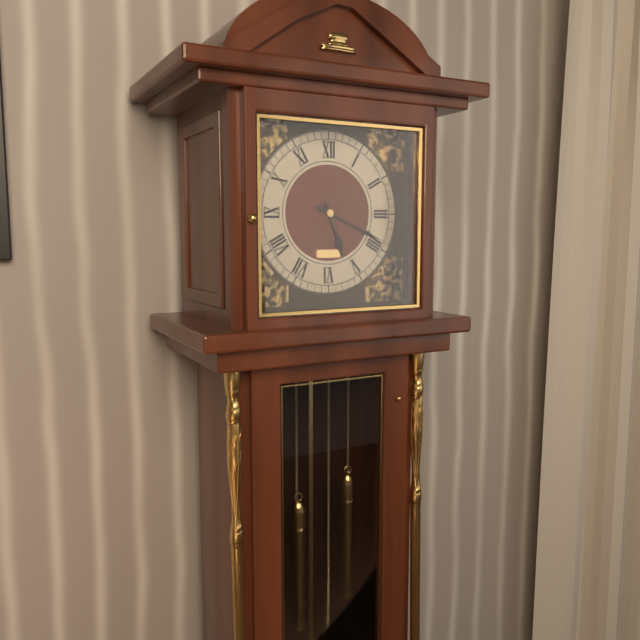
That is 5h19
